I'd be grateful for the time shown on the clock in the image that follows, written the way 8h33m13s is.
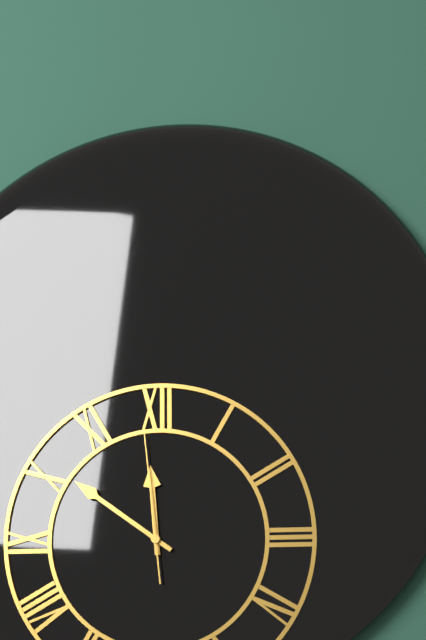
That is 11h51m59s
